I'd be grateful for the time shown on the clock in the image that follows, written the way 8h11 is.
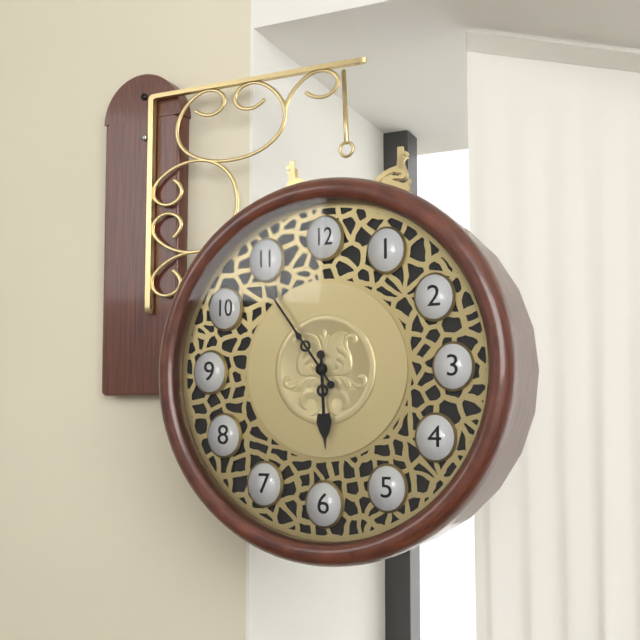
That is 5h54
